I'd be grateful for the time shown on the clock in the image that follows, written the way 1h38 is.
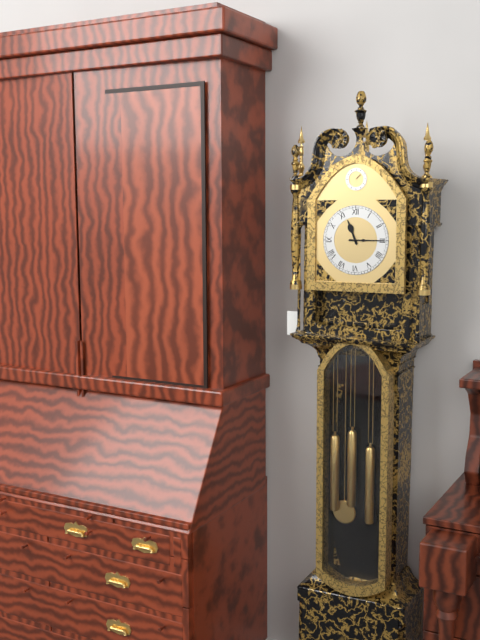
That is 11h15
